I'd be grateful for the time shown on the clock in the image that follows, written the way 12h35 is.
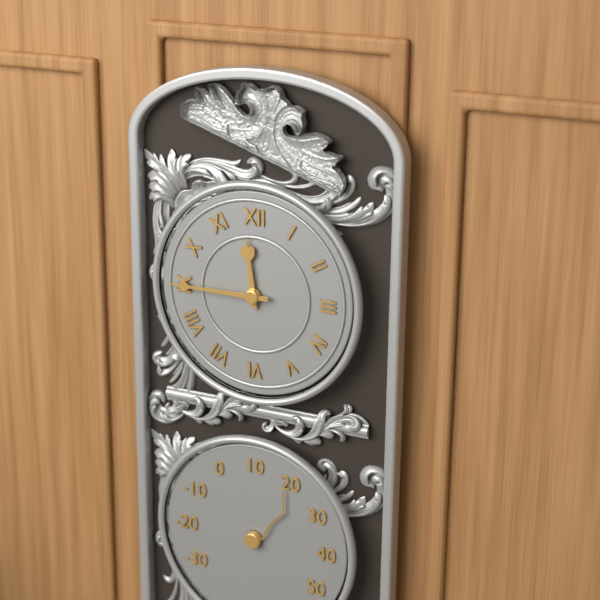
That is 11h45
